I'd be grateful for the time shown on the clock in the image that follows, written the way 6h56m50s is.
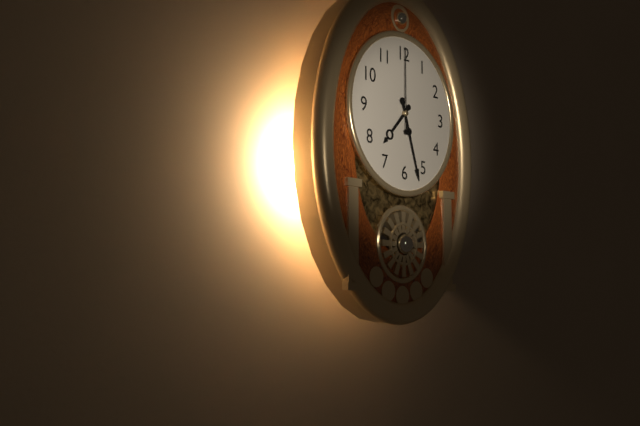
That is 7h27m00s
